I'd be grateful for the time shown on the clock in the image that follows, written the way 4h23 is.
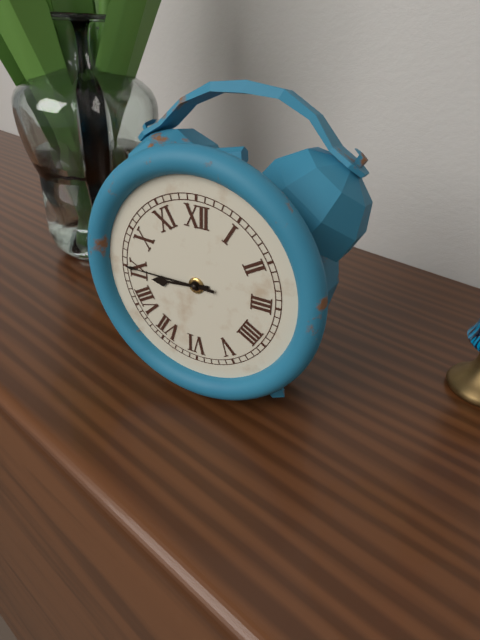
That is 8h45
